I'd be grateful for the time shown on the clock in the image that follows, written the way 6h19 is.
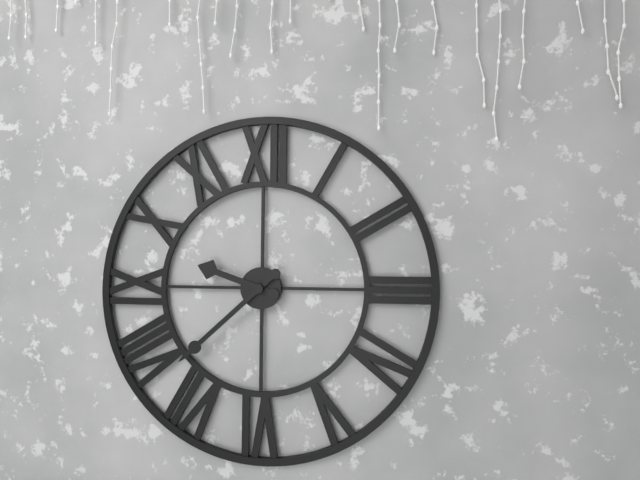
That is 9h38
